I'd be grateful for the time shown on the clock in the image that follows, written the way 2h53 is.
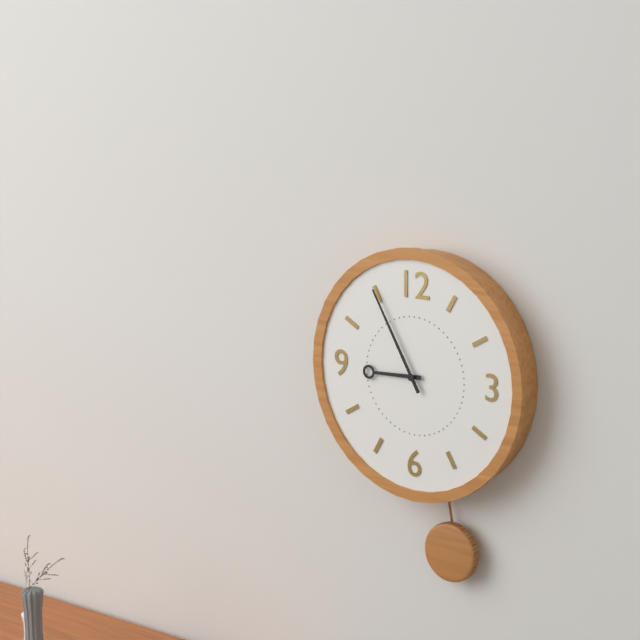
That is 8h55
